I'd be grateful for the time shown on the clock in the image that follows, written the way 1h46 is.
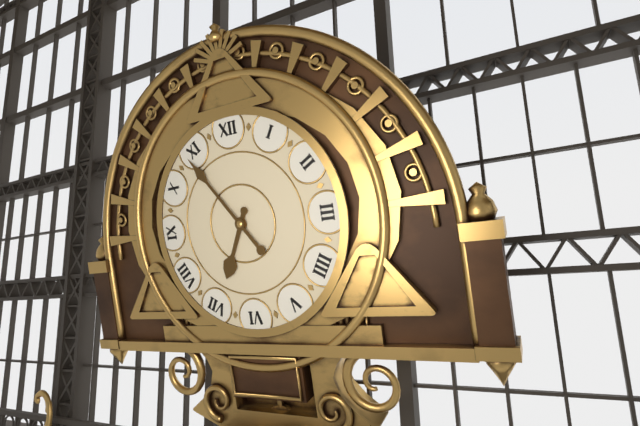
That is 6h54
